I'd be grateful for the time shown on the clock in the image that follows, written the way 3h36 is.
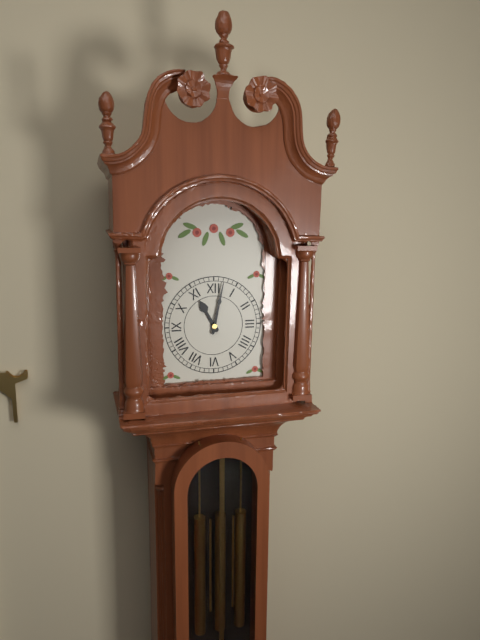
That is 11h02
